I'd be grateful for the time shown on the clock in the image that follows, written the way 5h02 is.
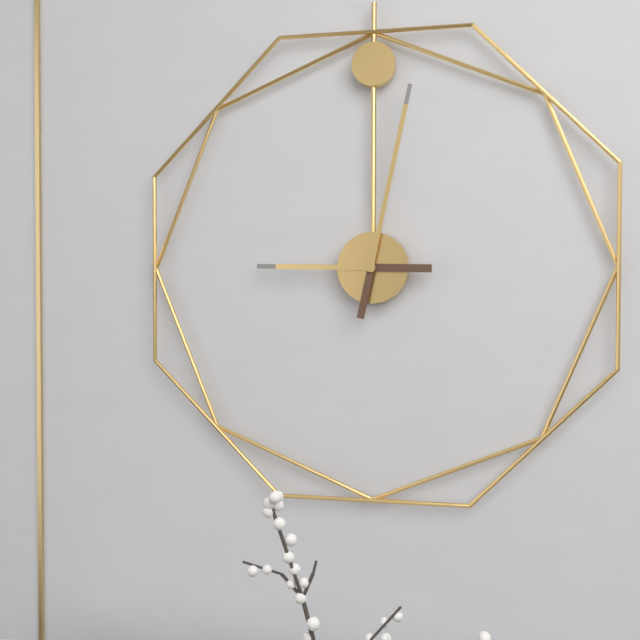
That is 9h02
